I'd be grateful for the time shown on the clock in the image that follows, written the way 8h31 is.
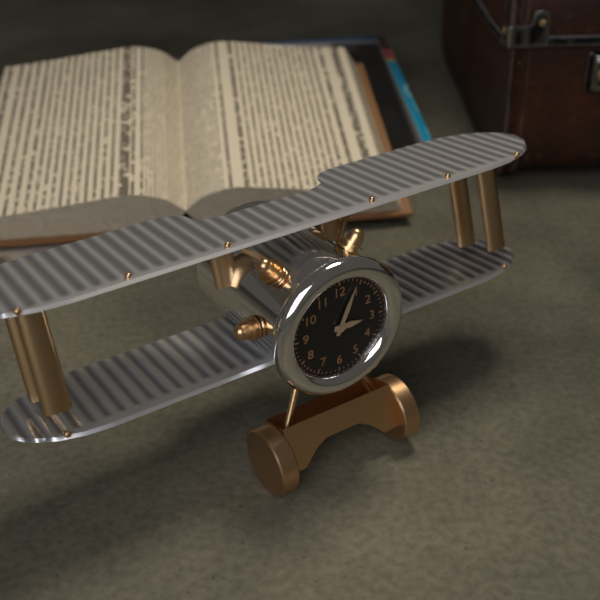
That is 3h04
